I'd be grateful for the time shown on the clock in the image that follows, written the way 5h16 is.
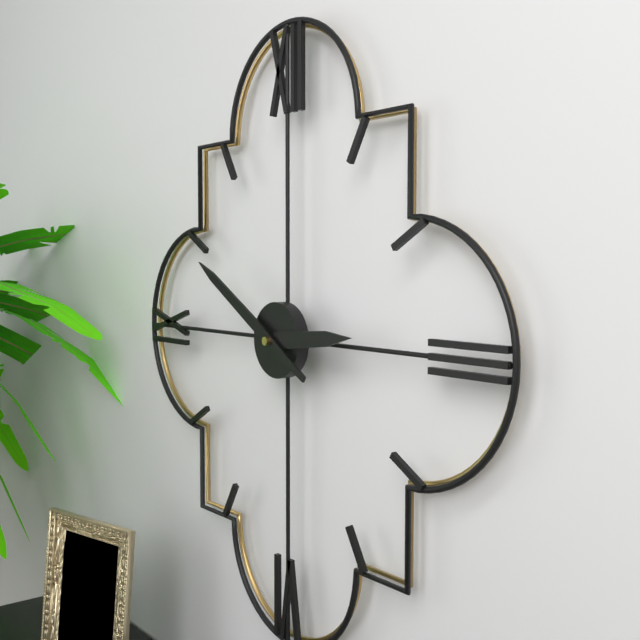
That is 2h50
